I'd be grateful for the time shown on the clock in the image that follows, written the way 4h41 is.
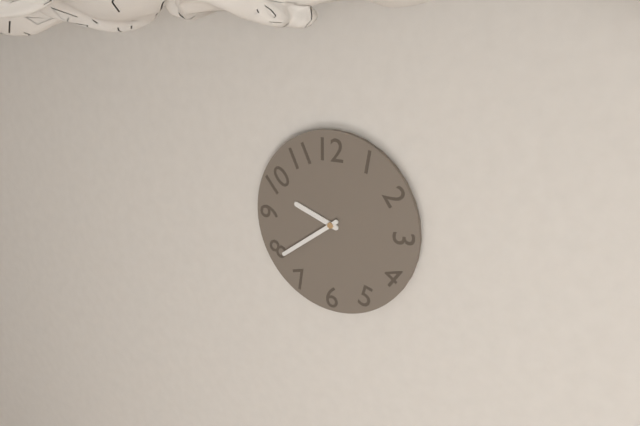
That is 9h39
